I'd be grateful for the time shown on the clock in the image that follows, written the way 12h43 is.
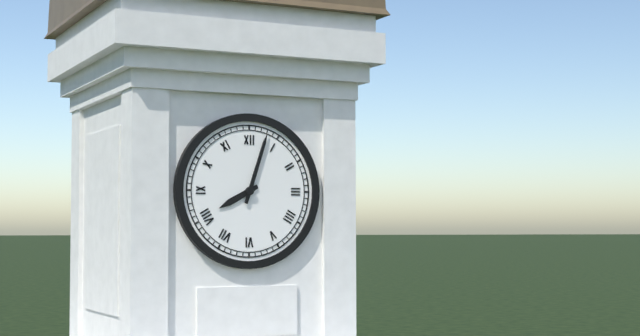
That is 8h03
